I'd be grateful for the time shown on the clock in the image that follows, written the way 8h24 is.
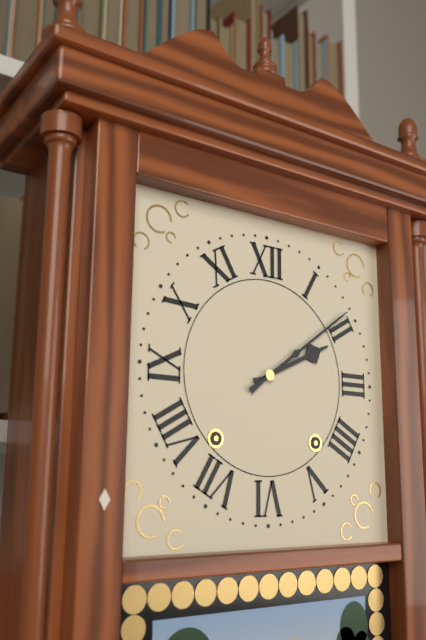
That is 2h09
